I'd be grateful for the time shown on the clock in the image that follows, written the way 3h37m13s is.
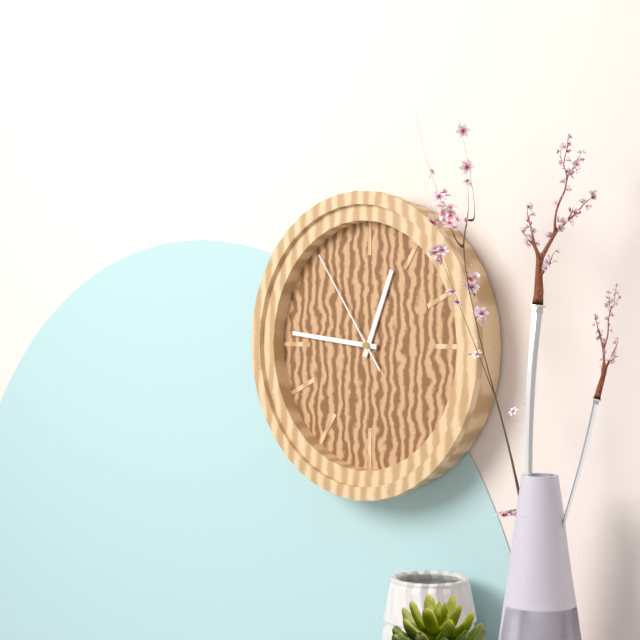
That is 12h46m54s
